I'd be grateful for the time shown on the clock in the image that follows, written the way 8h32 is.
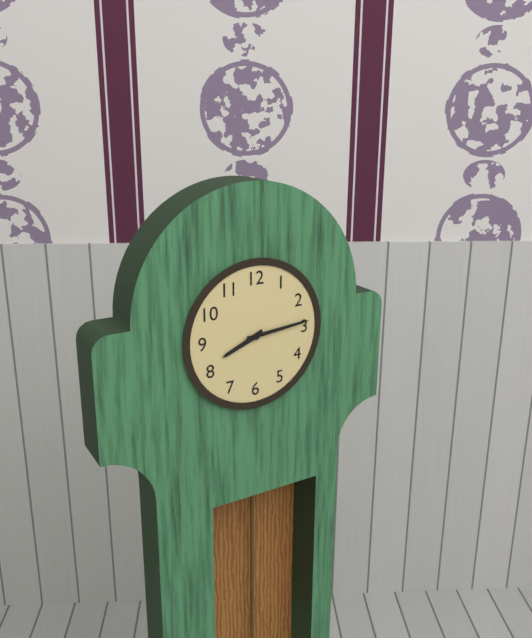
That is 8h14
